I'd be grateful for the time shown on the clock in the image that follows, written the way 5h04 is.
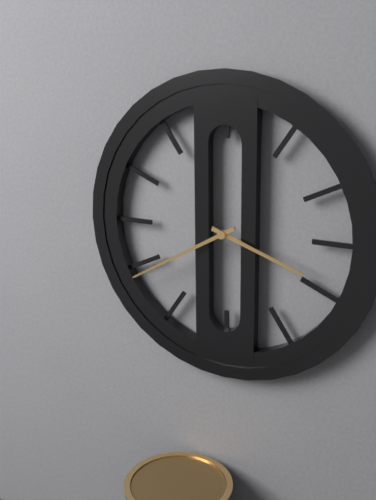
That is 3h40
